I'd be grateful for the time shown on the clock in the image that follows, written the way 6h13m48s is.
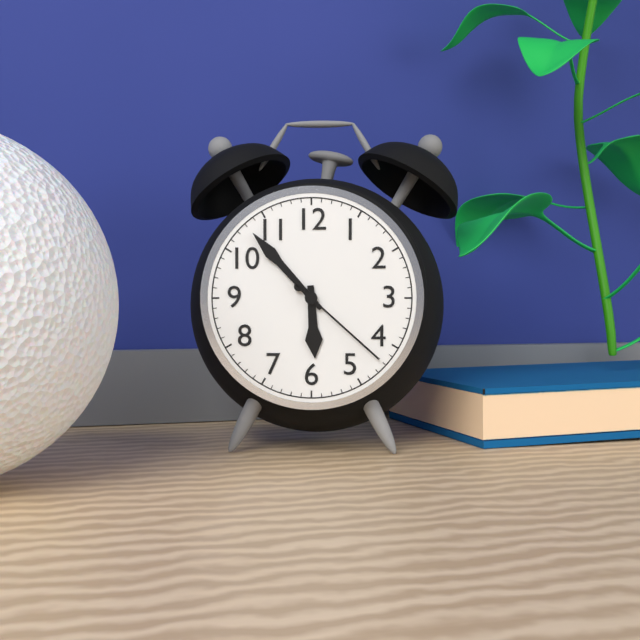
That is 5h53m22s
